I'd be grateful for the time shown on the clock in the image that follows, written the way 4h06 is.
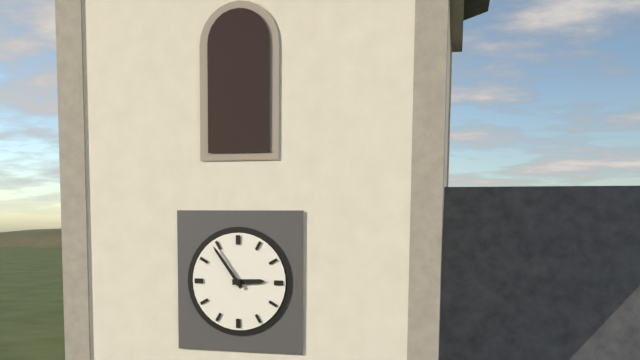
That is 2h54
